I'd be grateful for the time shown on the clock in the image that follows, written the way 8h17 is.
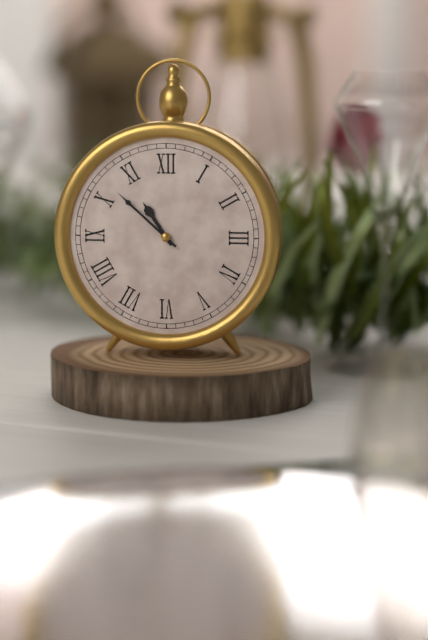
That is 10h52
